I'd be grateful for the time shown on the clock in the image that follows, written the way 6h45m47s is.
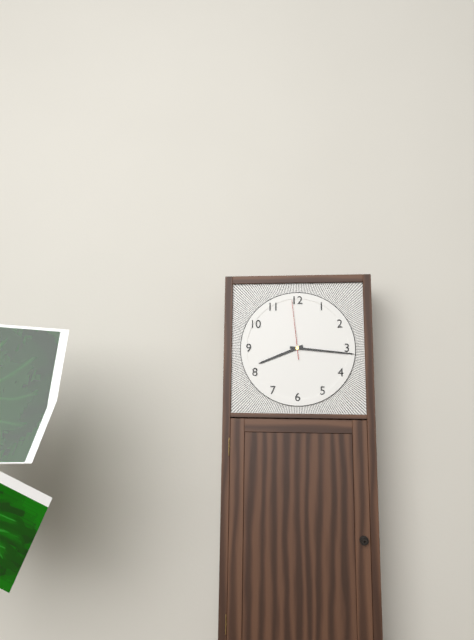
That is 8h16m59s
